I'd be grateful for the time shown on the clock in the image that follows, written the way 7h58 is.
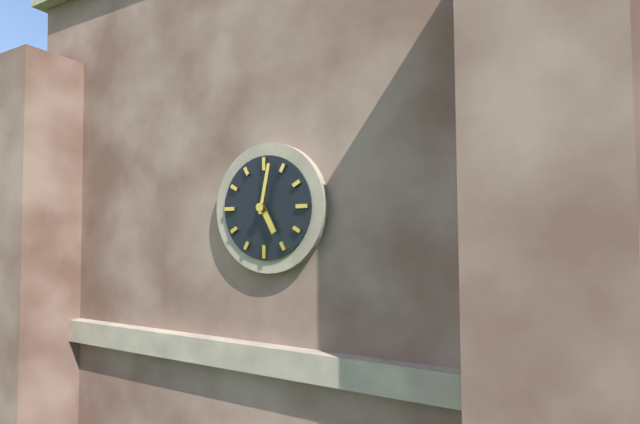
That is 5h02
